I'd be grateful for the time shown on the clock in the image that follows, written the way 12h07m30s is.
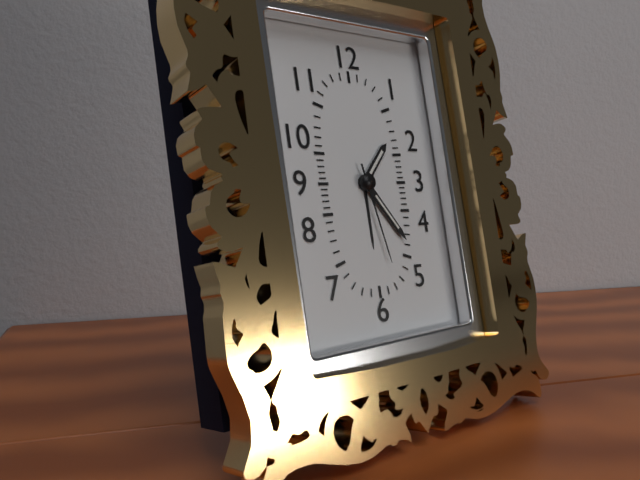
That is 1h24m28s
